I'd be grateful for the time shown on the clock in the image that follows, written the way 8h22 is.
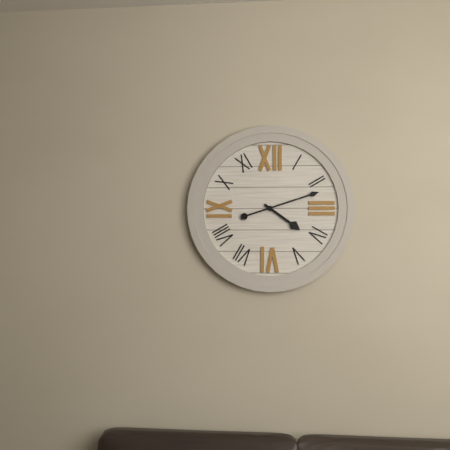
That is 4h12
